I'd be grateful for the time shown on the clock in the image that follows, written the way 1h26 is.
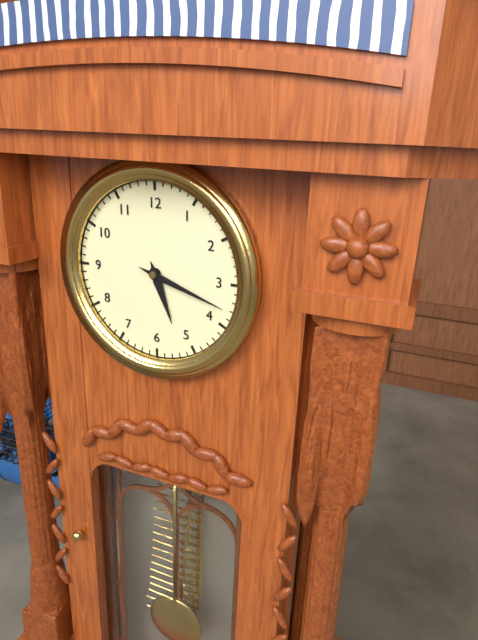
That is 5h18
